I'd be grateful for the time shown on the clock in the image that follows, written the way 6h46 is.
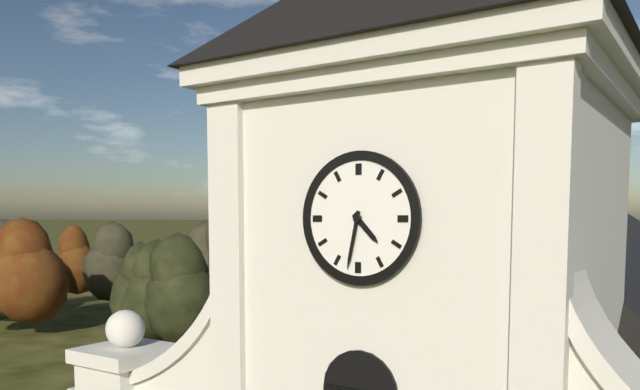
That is 4h32
